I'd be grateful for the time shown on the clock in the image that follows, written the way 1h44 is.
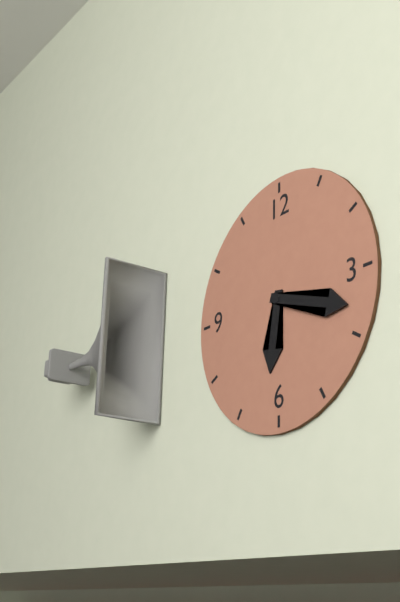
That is 6h18
